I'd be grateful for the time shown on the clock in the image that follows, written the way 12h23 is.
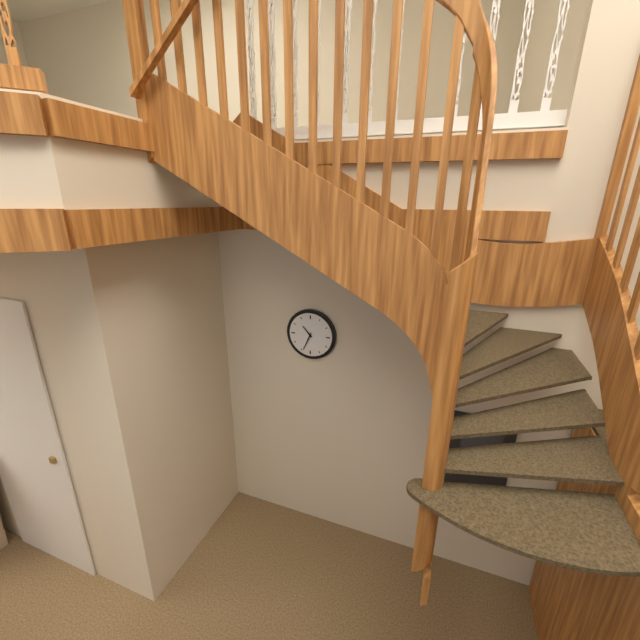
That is 10h34
